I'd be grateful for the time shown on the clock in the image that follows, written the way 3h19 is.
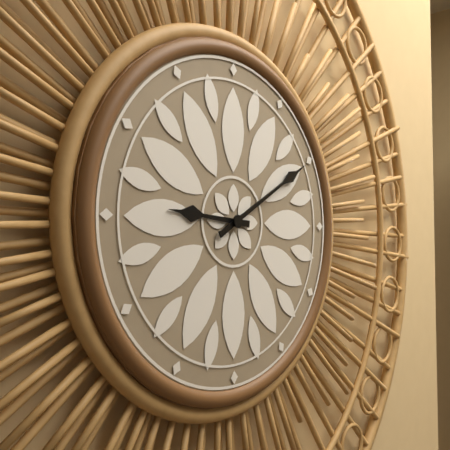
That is 9h10
